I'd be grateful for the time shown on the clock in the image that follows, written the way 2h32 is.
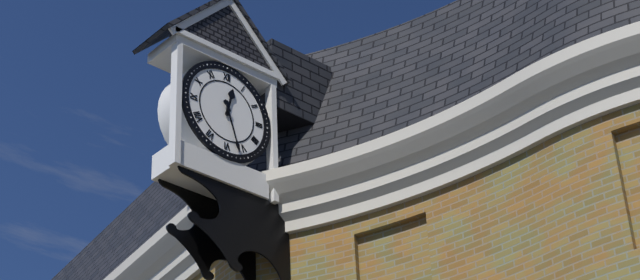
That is 12h27
